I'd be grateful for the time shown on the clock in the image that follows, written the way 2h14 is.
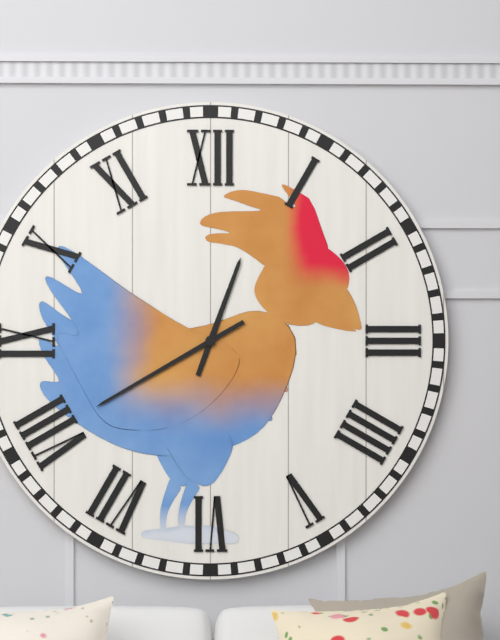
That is 12h40
